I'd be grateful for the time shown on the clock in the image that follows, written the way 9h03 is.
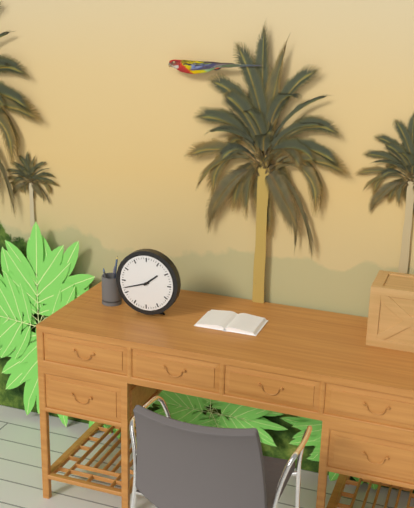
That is 1h42
